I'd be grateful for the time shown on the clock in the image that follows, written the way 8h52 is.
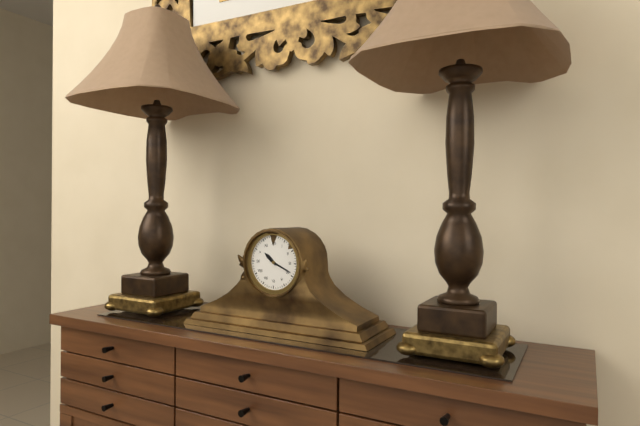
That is 10h19
